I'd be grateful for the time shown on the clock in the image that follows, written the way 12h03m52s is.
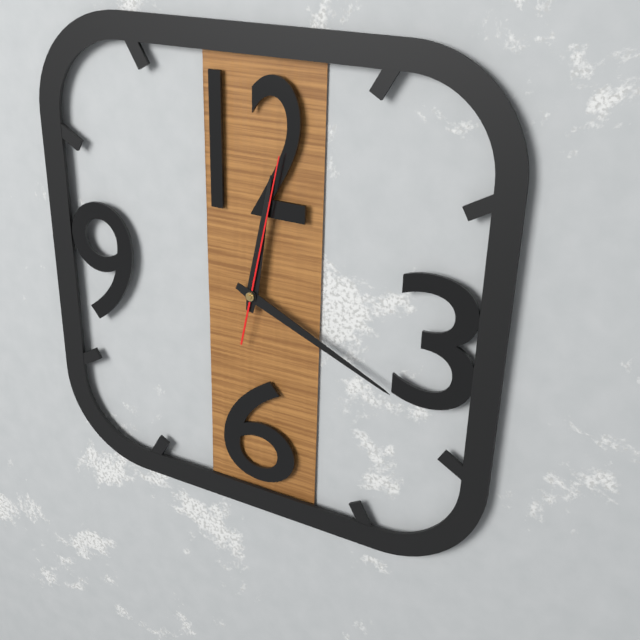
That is 12h19m02s
